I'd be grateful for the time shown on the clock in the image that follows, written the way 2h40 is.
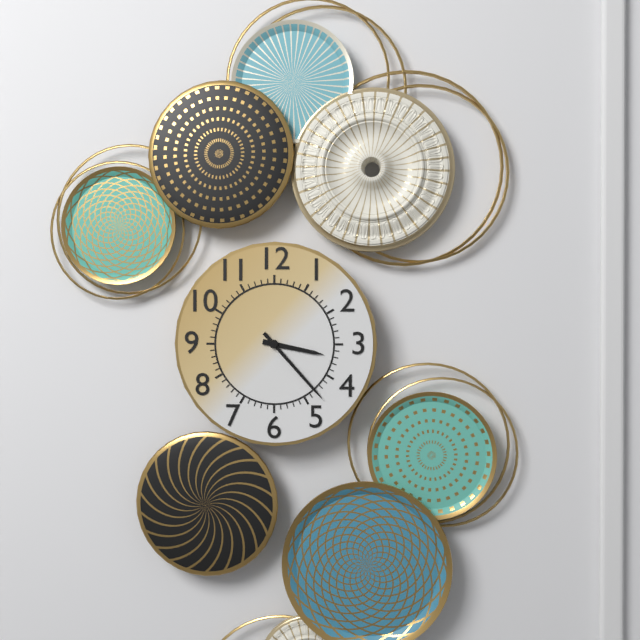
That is 3h23
